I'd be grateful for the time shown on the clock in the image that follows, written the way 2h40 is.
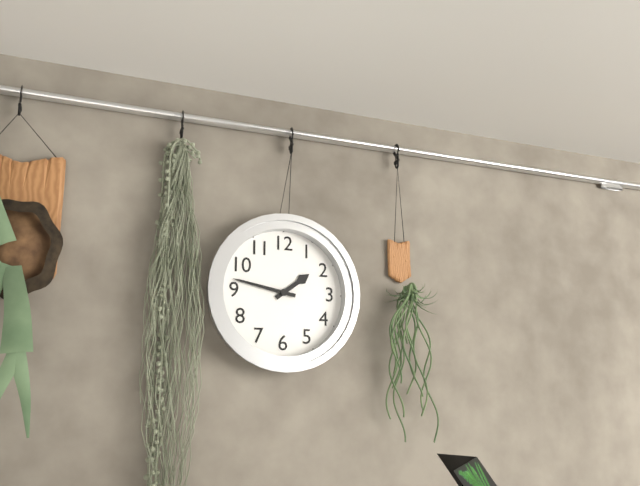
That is 1h47
